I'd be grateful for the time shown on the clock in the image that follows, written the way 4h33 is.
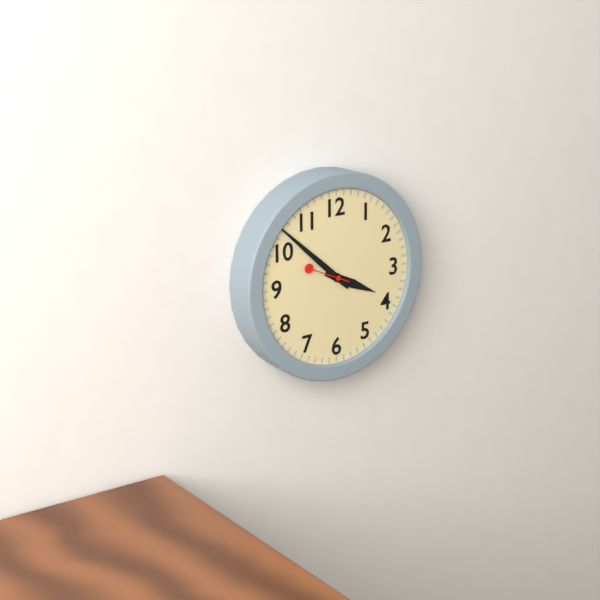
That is 3h52
